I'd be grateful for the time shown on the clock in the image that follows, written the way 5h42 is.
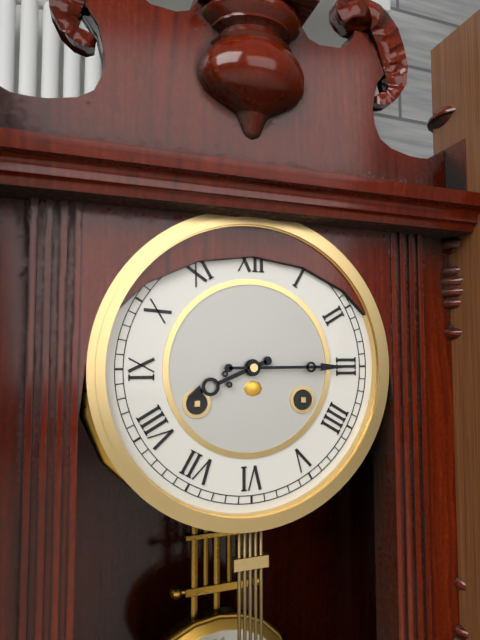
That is 8h15
